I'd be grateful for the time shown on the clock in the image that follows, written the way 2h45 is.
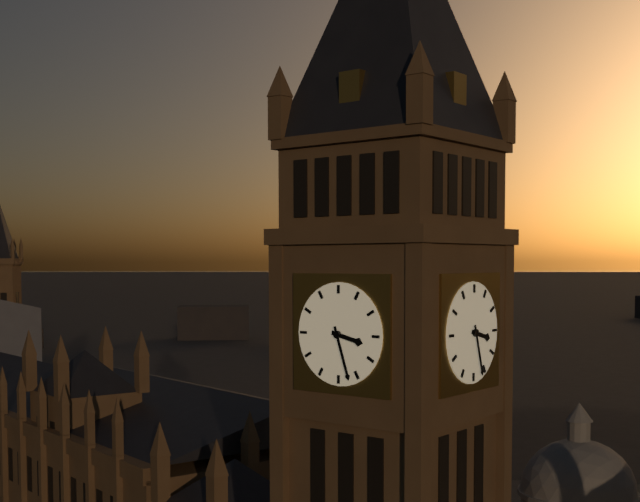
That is 3h27
